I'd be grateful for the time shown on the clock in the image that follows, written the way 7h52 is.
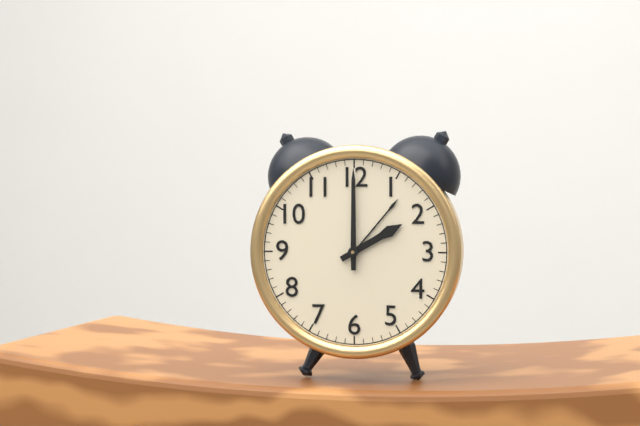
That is 2h00
